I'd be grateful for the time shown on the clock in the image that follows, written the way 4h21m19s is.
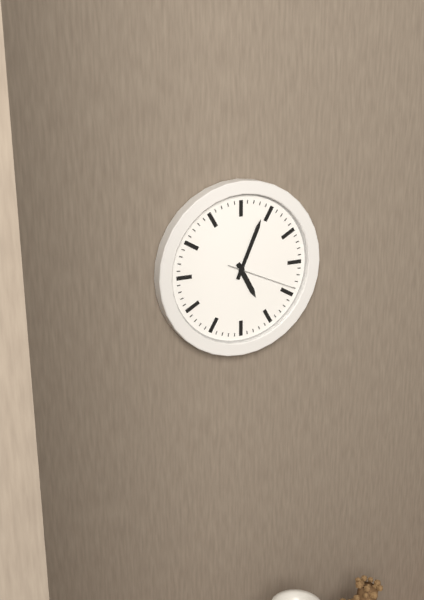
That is 5h04m19s
